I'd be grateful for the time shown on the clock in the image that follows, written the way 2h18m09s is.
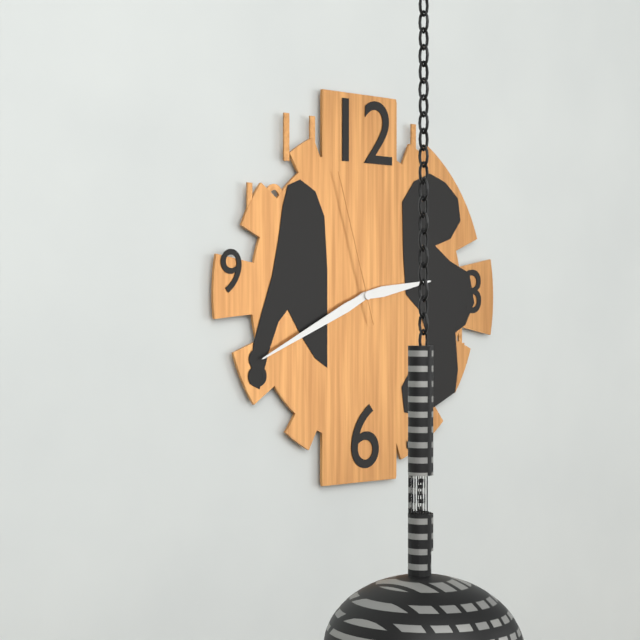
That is 2h41m57s
